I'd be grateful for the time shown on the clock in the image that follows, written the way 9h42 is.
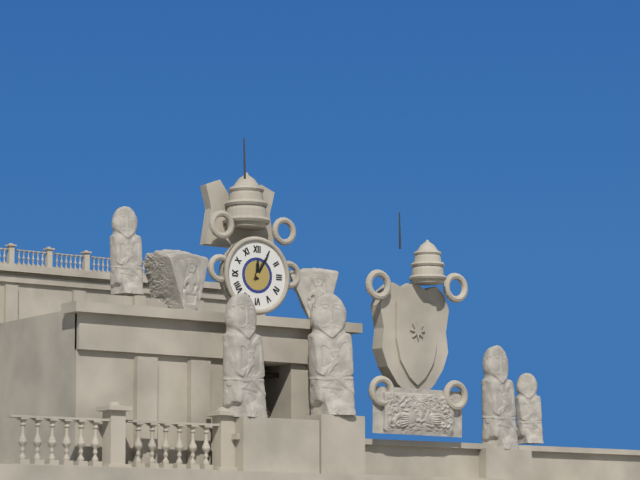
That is 12h05
